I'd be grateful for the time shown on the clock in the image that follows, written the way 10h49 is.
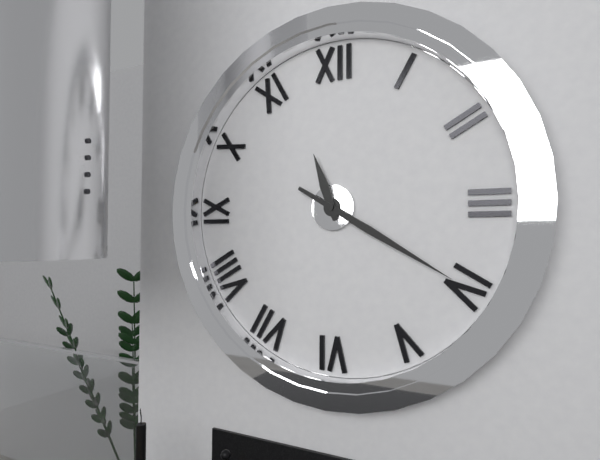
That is 11h20
